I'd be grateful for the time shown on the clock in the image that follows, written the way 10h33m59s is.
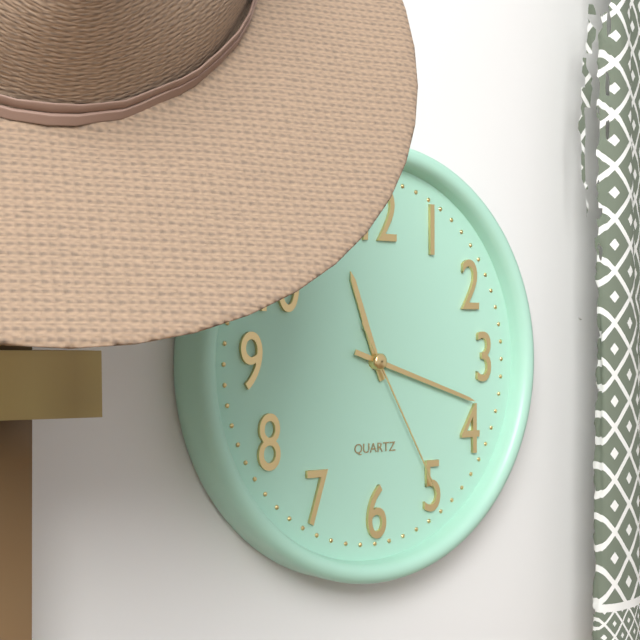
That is 11h18m25s
